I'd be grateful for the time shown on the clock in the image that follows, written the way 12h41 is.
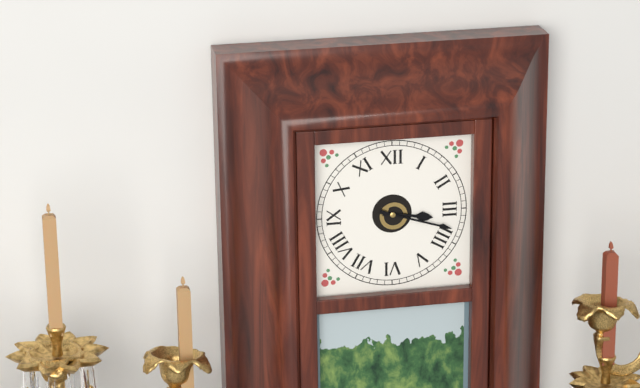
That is 3h18
